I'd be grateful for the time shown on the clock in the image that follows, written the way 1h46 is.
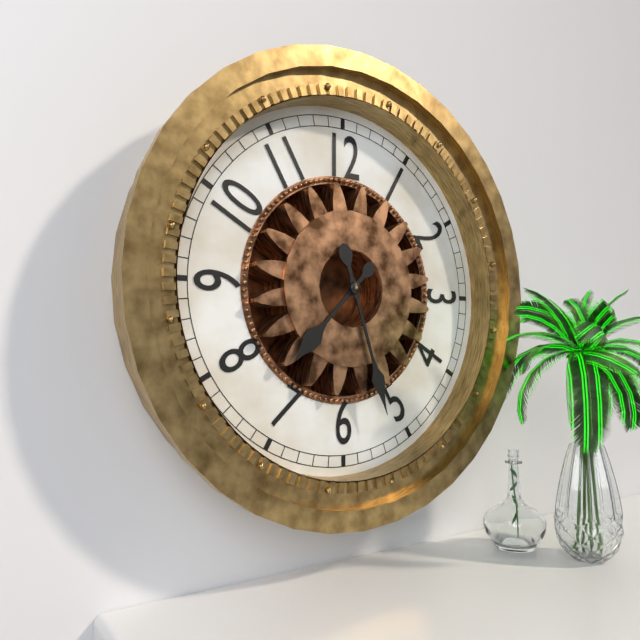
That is 7h27
